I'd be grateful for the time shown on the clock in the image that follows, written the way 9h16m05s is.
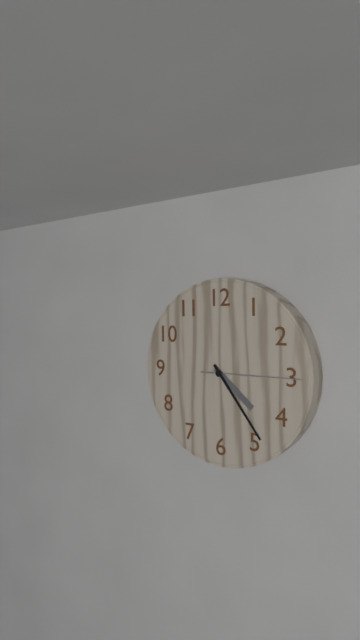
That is 4h24m15s
